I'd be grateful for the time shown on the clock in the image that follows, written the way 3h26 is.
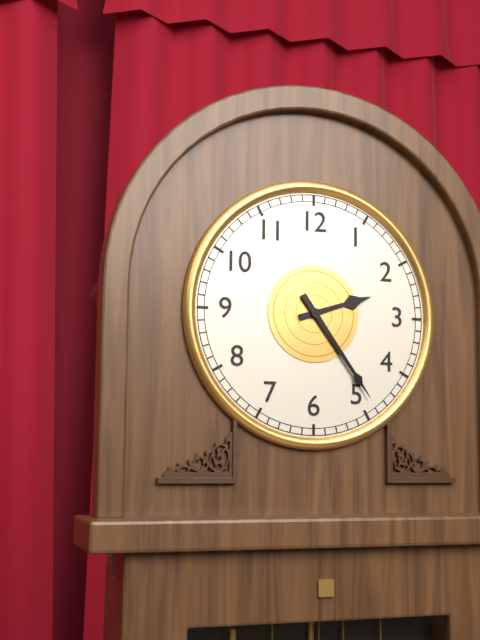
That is 2h24
